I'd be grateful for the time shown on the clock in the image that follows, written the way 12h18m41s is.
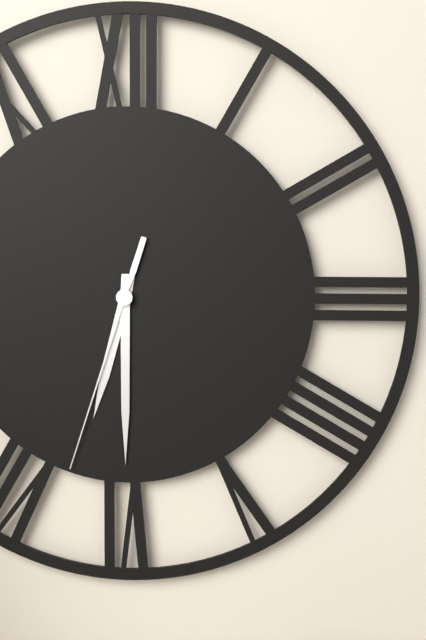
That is 6h30m33s
